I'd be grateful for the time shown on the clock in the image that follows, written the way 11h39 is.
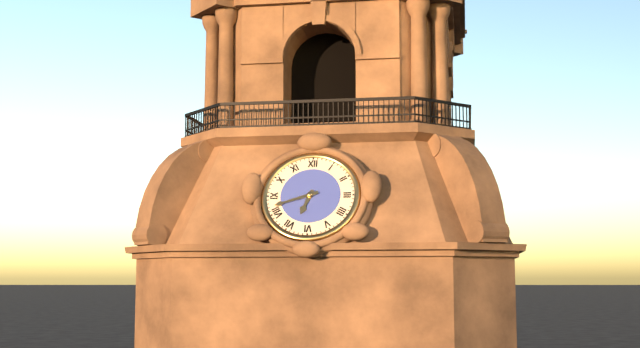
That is 6h42
